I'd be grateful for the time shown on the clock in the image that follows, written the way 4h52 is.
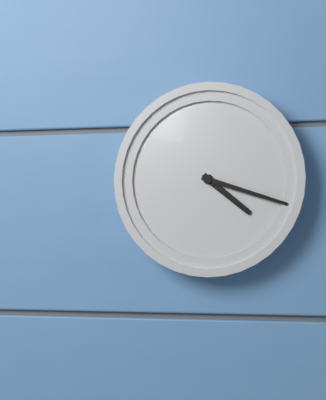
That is 4h18
